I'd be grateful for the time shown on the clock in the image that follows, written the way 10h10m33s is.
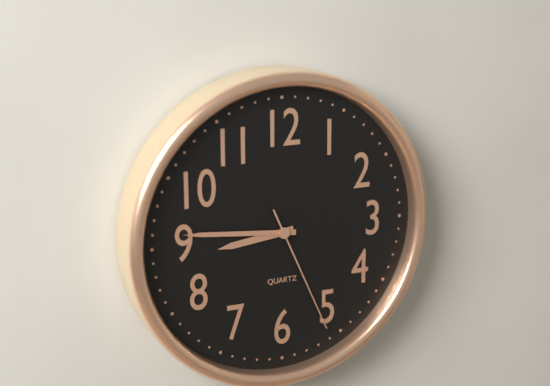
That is 8h46m26s
